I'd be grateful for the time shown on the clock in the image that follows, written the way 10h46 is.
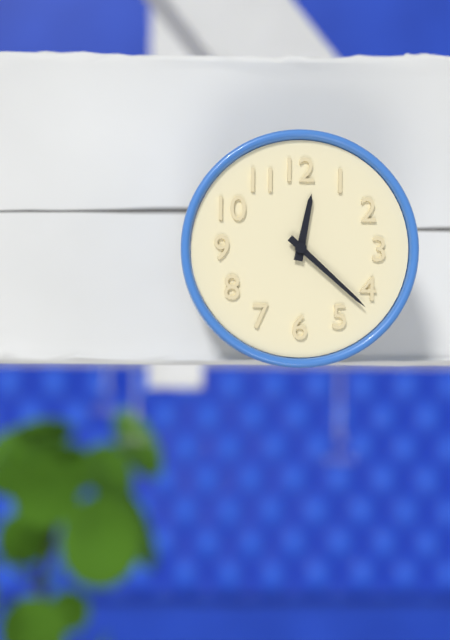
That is 12h22
